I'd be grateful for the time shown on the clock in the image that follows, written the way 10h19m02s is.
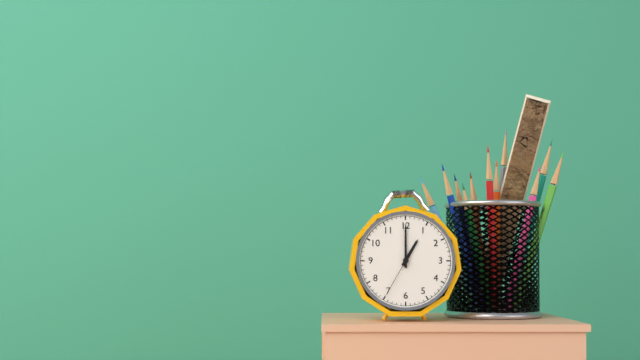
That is 1h00m35s
